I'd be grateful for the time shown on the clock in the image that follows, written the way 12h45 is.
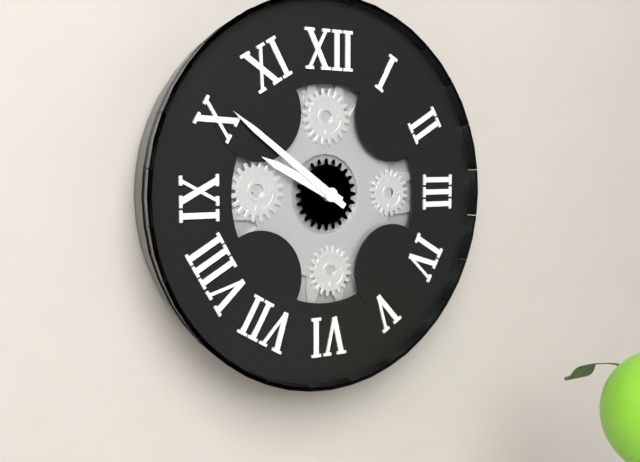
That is 9h51
